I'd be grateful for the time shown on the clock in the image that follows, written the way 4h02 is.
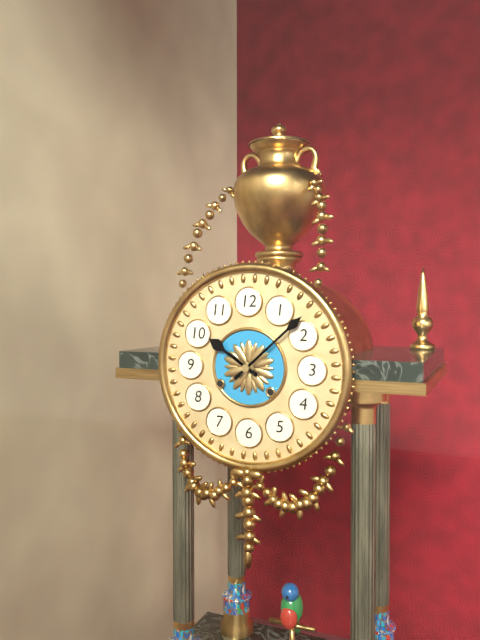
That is 10h08
